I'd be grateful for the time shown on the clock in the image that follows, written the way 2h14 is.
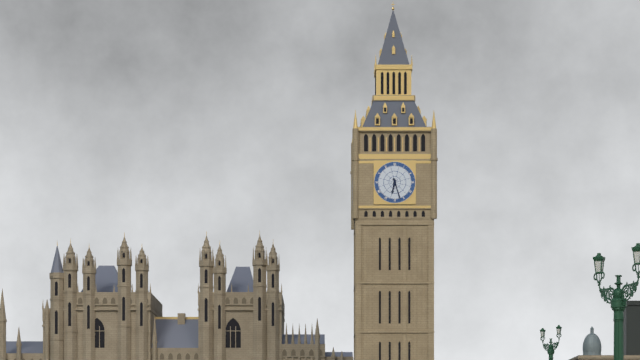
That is 6h27
